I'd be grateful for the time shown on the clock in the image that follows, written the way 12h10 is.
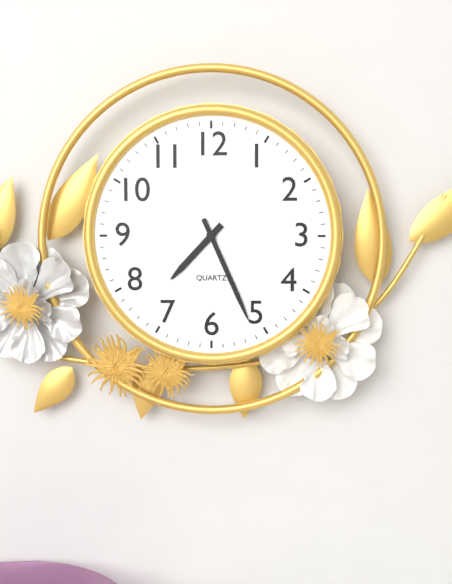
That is 7h26
